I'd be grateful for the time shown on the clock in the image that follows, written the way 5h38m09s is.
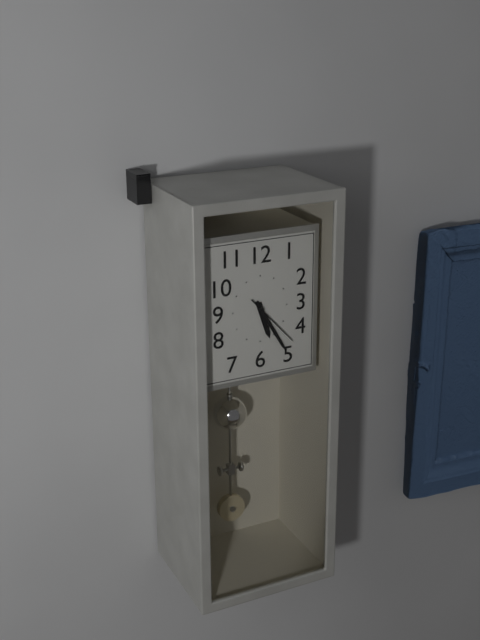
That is 5h25m23s
